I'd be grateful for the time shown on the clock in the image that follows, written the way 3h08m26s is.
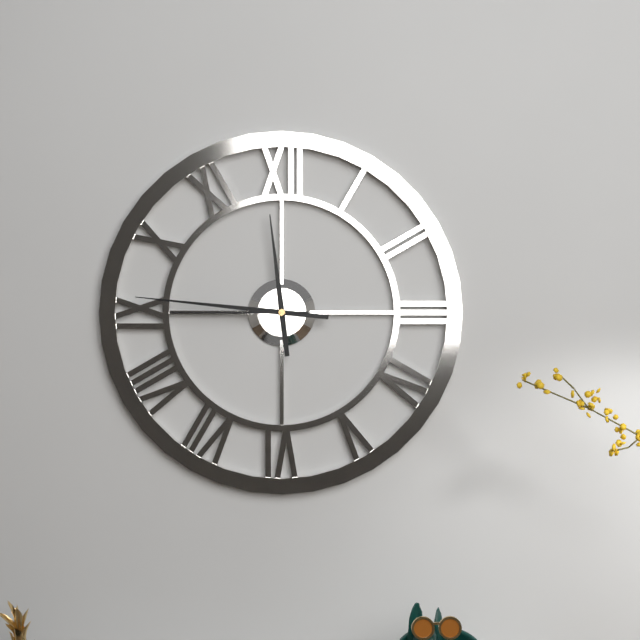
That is 11h46m45s
